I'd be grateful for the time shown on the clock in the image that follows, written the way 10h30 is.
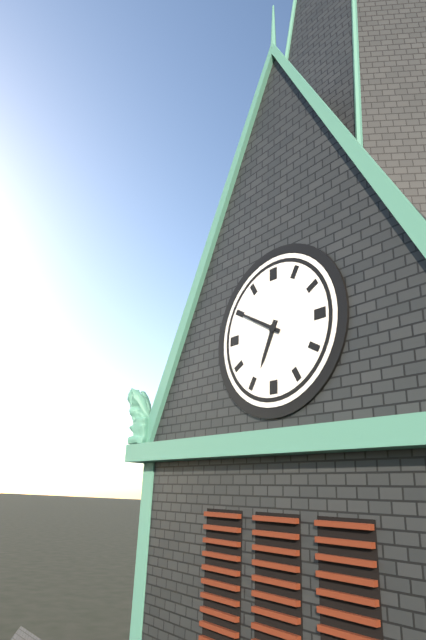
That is 6h50
